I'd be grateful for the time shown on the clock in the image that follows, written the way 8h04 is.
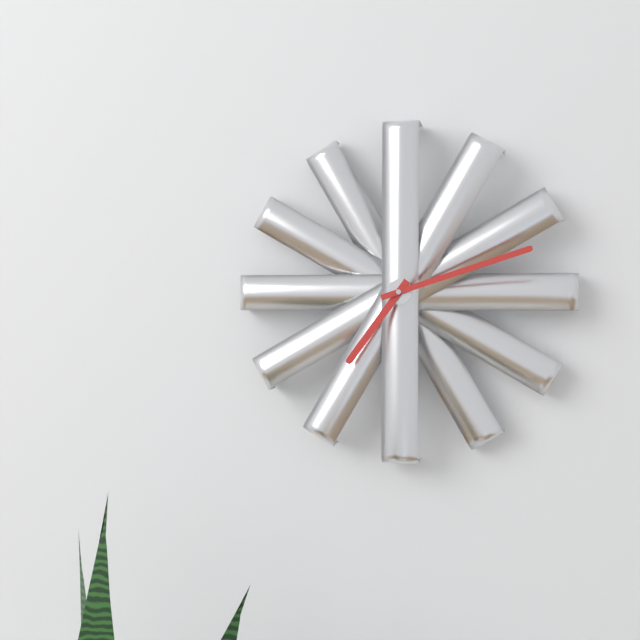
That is 7h12
